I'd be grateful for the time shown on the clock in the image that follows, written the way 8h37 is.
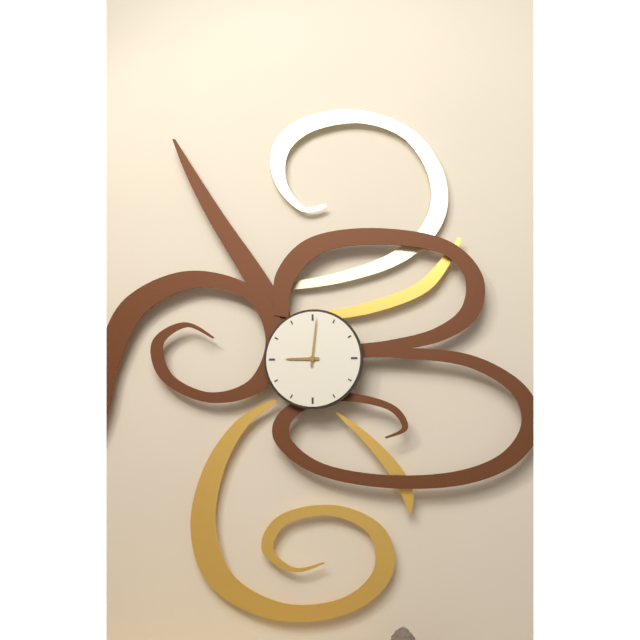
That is 9h01
